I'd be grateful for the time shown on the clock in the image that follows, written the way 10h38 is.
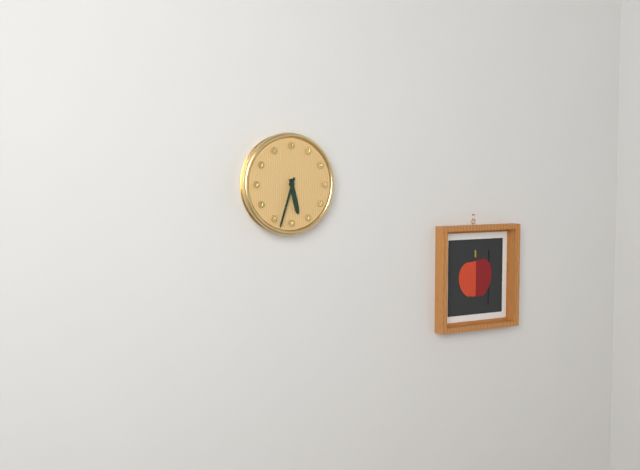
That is 5h33
